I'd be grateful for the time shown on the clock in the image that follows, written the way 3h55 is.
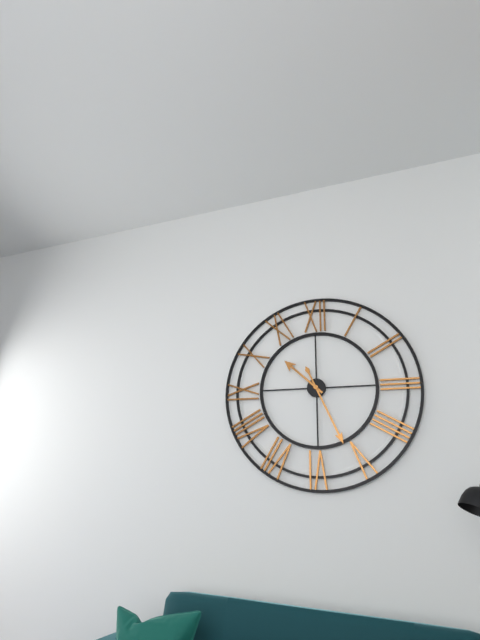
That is 10h26
